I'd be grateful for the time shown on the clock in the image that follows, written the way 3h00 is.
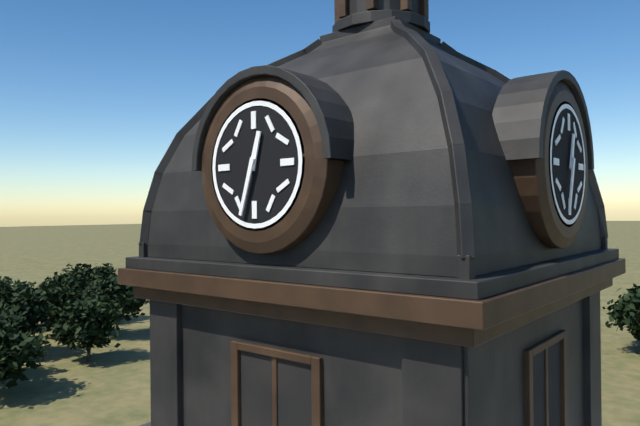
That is 12h33
